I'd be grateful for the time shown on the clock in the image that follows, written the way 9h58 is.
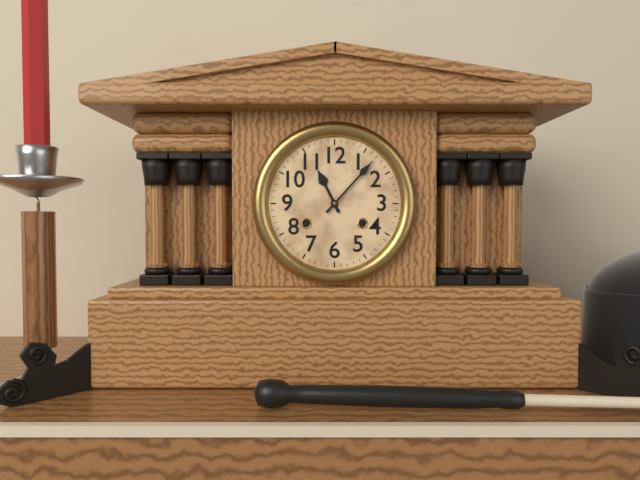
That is 11h07
